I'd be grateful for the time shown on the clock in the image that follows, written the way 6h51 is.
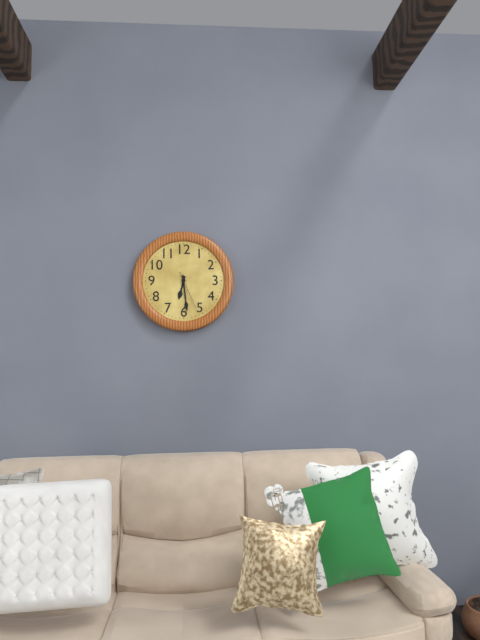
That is 6h29
